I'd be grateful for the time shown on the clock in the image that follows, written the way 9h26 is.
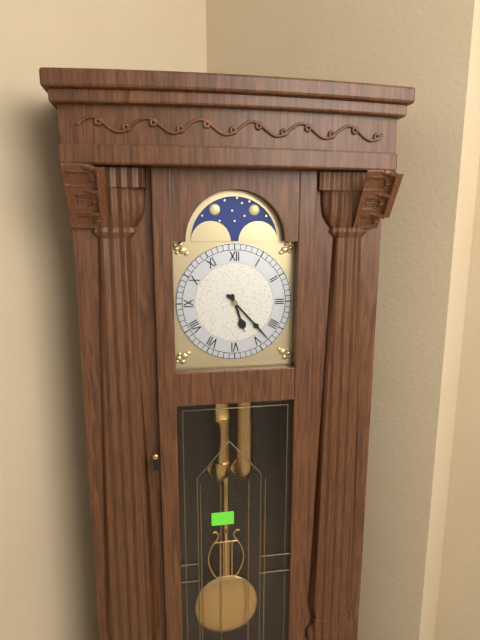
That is 5h23
